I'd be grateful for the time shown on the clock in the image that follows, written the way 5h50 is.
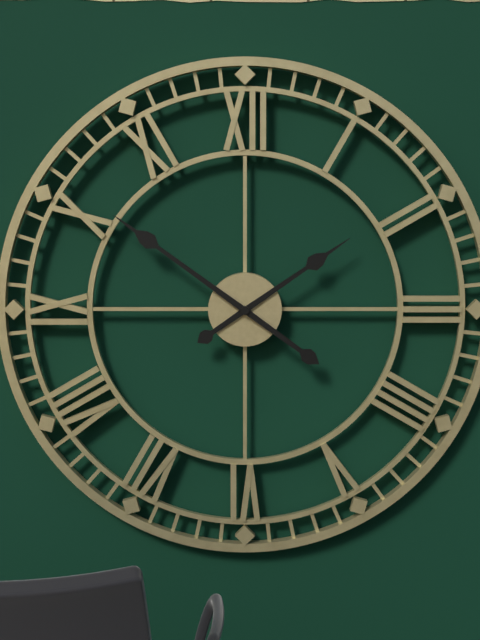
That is 1h51
